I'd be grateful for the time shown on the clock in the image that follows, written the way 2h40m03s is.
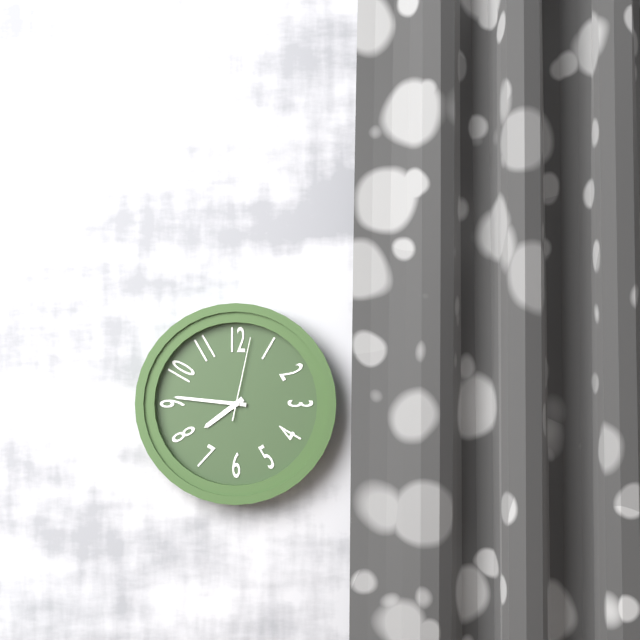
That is 7h46m02s
